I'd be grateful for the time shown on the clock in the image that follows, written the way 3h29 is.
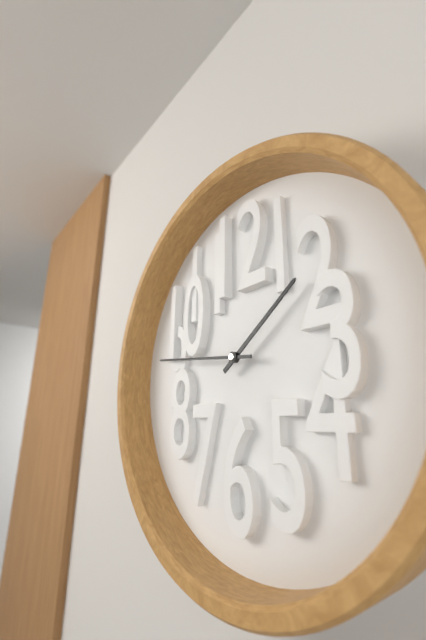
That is 1h46
